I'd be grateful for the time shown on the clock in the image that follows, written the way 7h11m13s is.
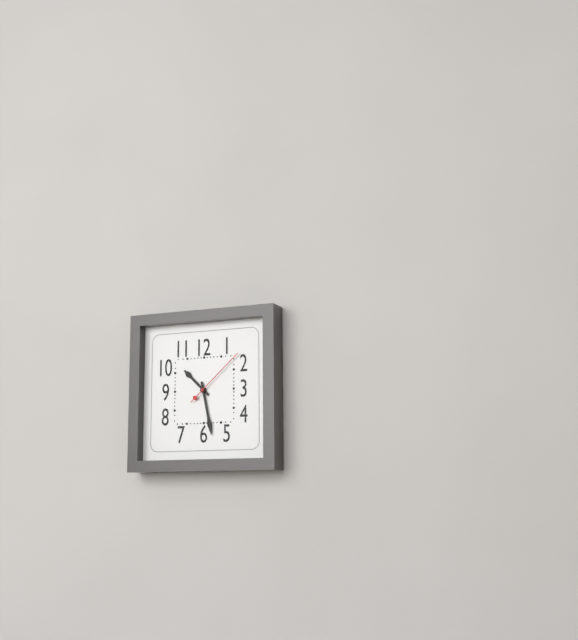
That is 10h28m08s
